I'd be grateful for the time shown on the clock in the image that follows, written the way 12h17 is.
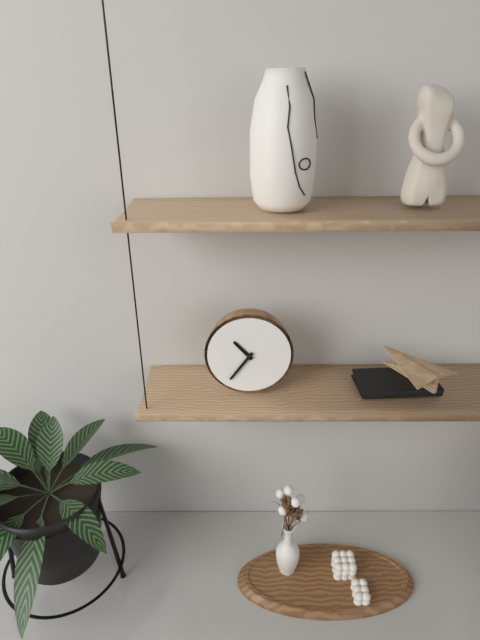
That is 10h36
